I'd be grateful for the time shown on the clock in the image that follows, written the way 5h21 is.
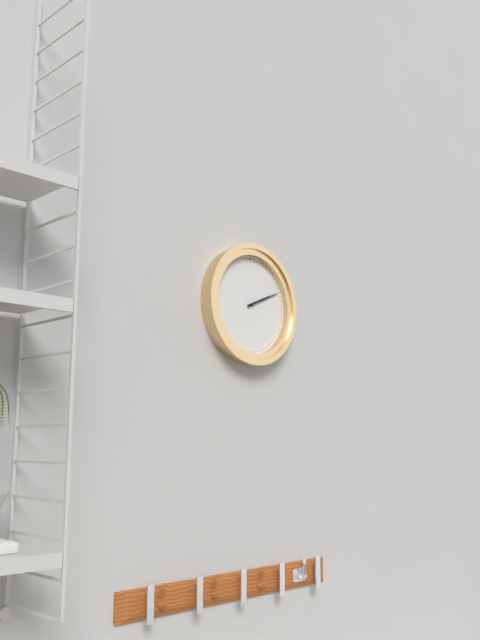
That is 2h11
